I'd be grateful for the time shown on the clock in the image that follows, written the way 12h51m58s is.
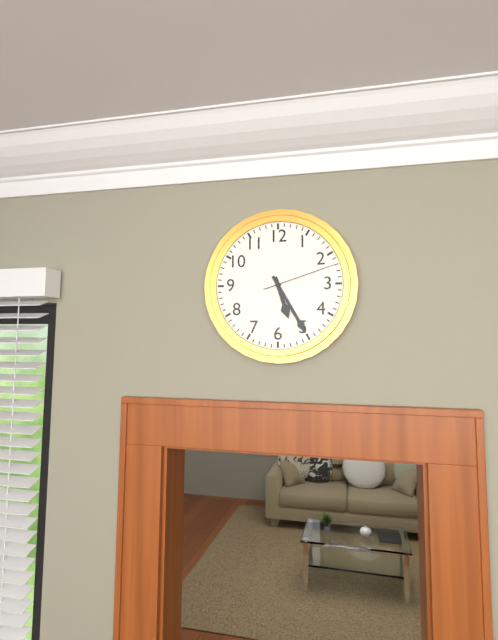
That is 5h25m12s
